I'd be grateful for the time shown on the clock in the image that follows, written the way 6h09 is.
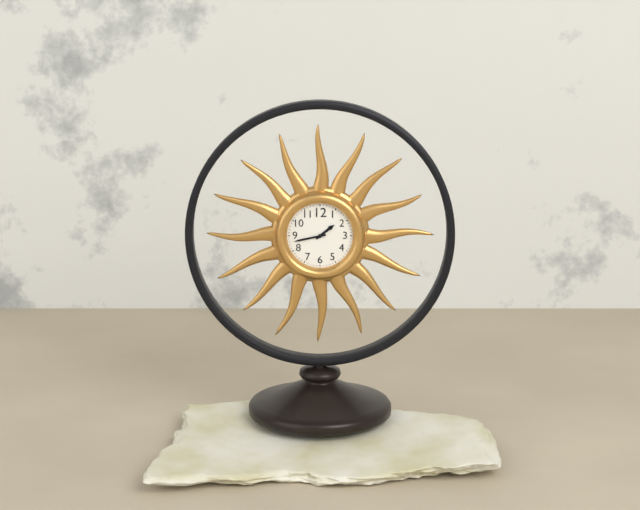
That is 1h43
